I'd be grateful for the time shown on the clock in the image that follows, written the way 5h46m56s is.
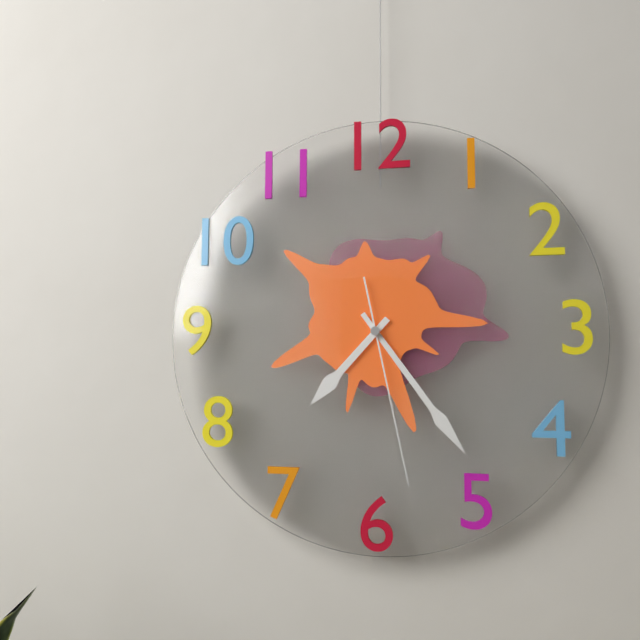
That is 7h24m28s
